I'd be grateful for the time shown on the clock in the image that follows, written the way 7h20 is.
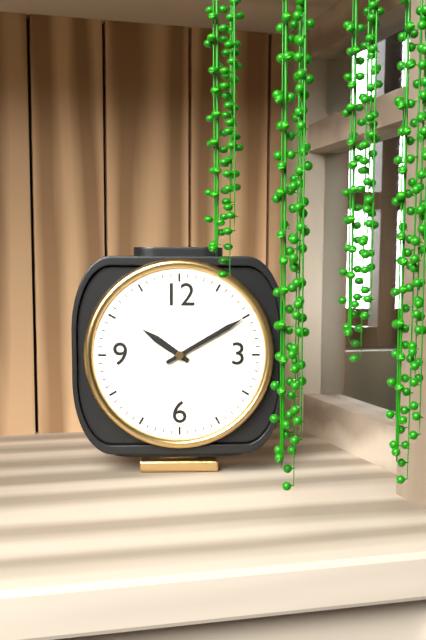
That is 10h10
